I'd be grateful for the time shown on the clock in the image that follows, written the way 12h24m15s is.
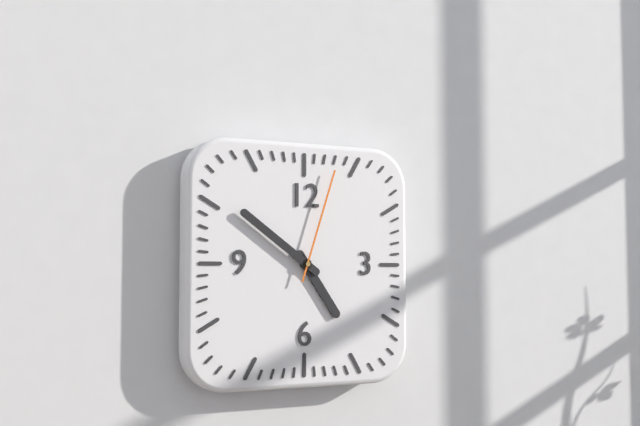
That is 4h51m03s
